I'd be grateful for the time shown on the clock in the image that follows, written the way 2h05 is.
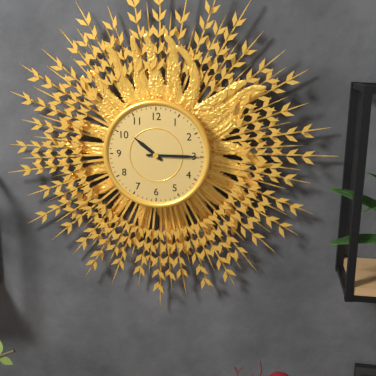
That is 10h15
